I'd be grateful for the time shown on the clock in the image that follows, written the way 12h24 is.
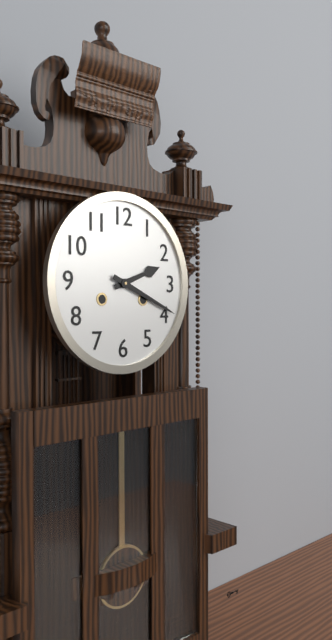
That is 2h19
